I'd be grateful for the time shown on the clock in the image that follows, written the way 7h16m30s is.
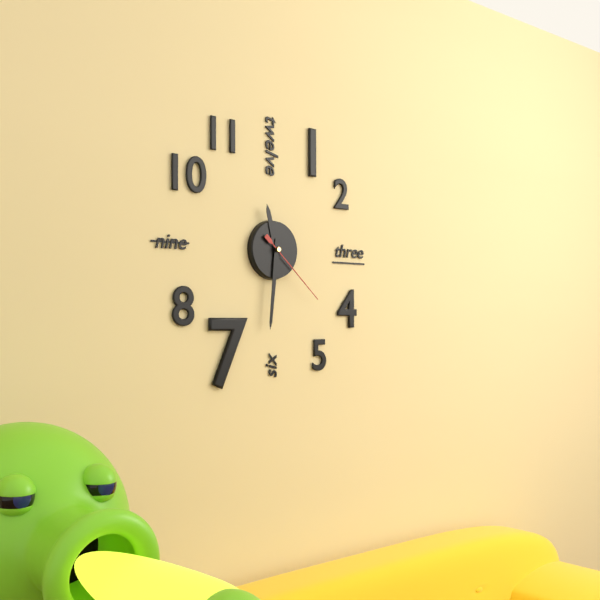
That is 11h31m22s
